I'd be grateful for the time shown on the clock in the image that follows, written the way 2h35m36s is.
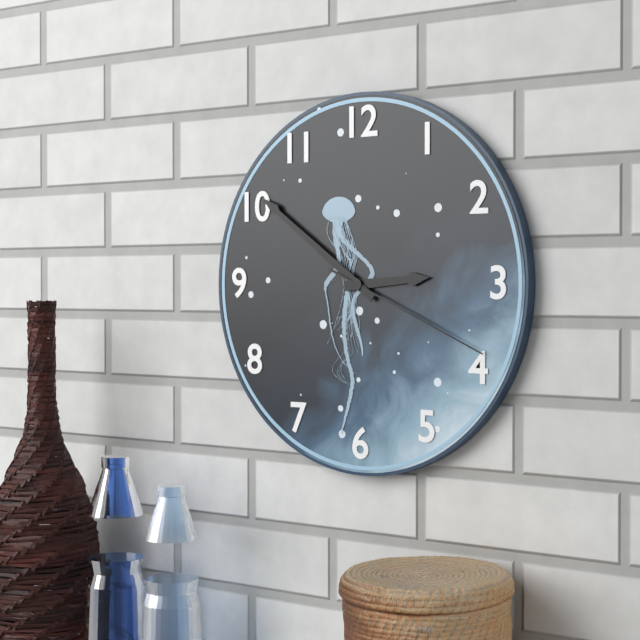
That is 2h51m19s
